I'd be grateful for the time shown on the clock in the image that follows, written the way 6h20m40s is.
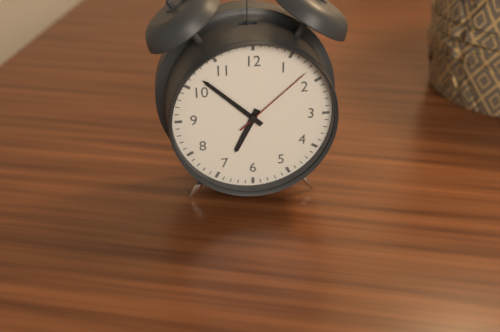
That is 6h52m08s
